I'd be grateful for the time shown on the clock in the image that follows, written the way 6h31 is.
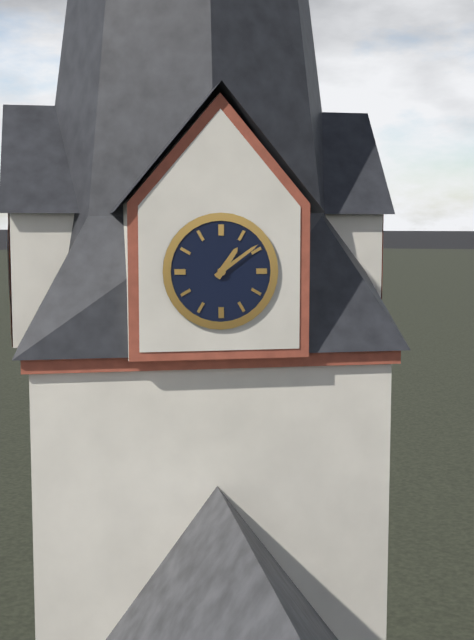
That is 1h09
